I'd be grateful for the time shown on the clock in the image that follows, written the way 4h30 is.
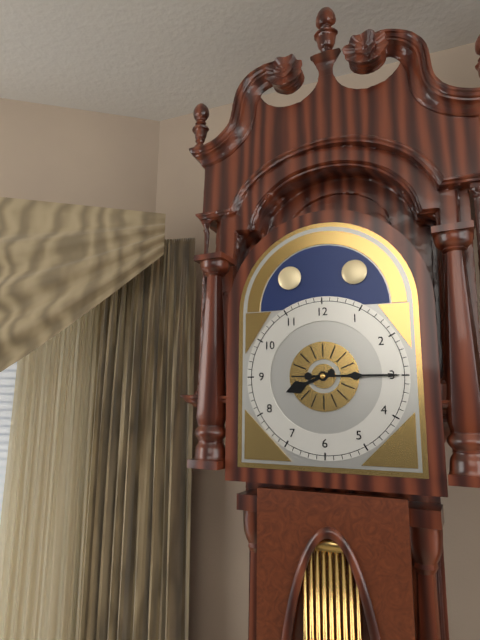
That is 8h15
